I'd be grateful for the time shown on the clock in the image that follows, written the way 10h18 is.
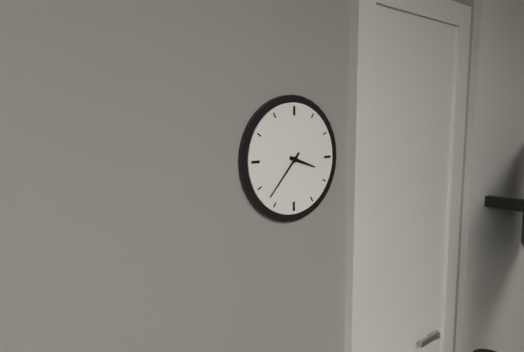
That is 3h37
